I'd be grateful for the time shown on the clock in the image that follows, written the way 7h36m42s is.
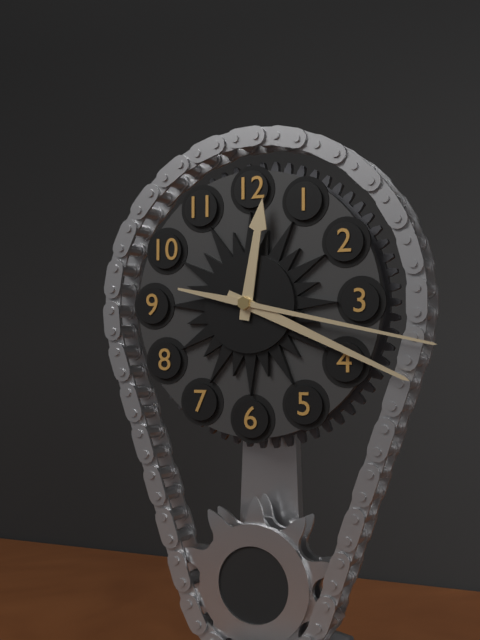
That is 12h19m17s
